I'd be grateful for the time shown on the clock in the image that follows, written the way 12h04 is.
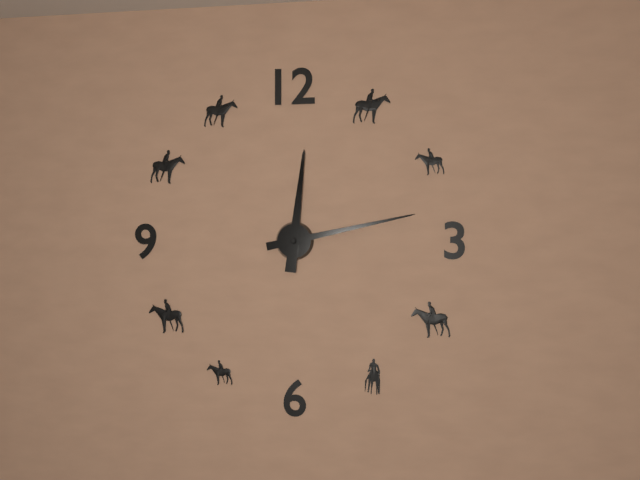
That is 12h13
